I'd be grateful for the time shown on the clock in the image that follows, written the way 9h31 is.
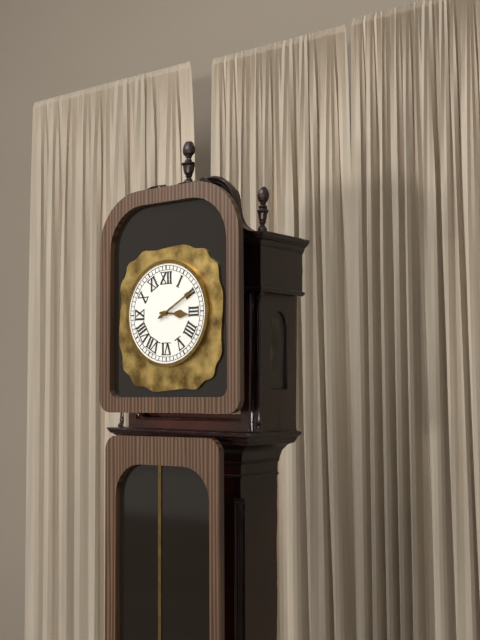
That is 3h10
